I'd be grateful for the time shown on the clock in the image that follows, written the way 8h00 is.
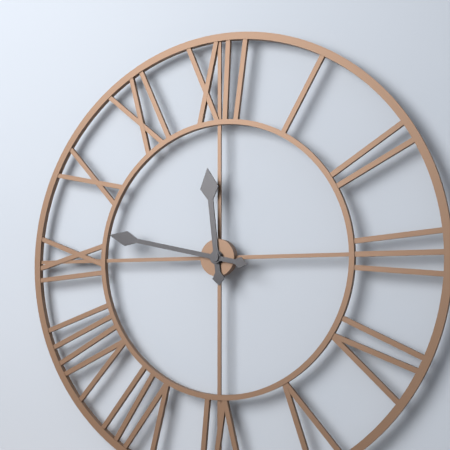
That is 11h47
